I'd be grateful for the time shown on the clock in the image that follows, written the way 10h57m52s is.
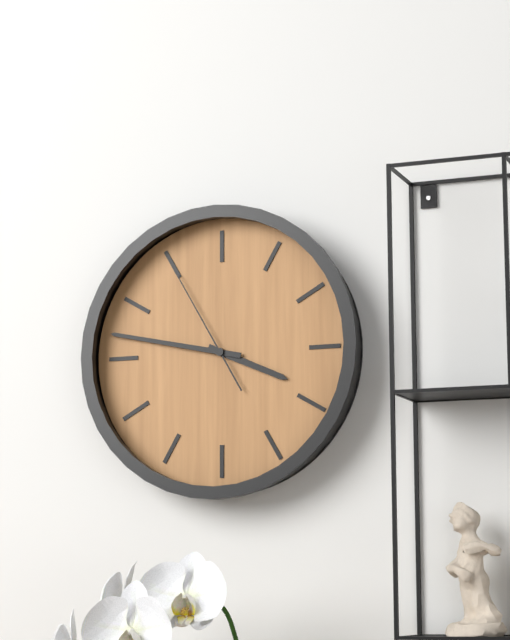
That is 3h47m55s
